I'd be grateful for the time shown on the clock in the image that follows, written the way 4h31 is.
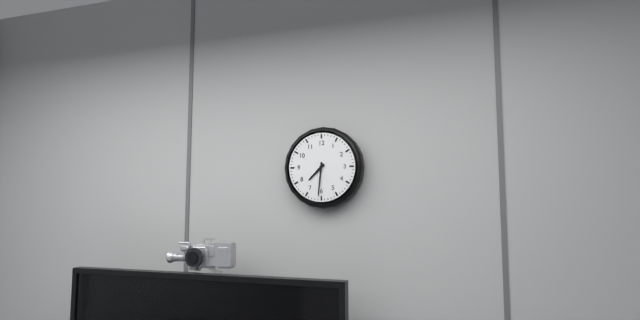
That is 7h31
